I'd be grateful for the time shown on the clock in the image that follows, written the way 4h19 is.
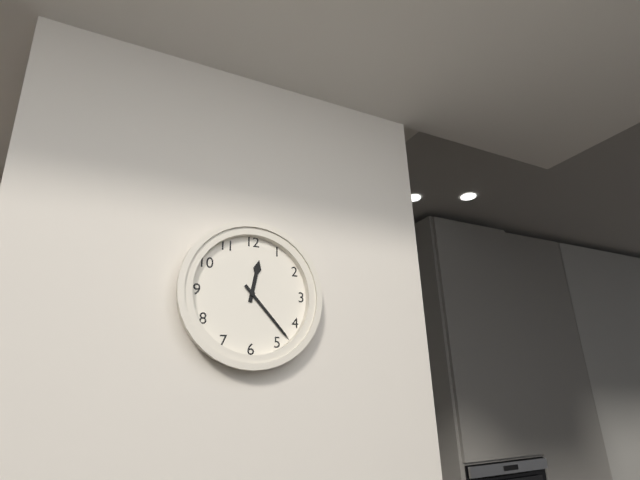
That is 12h23
